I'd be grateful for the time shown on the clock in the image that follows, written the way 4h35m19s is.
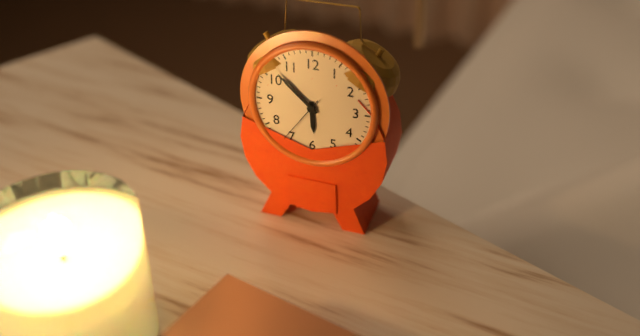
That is 5h52m36s
